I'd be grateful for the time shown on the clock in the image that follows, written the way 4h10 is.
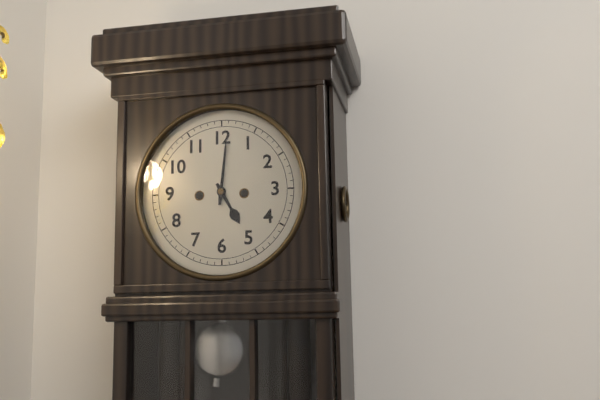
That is 5h01
